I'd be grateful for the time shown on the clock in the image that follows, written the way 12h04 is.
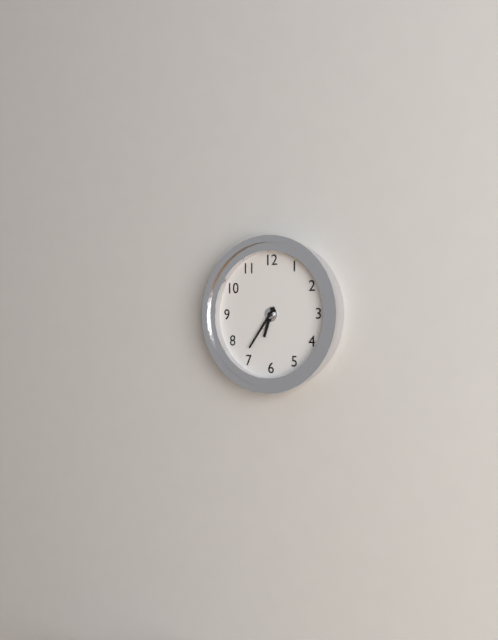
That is 6h36
